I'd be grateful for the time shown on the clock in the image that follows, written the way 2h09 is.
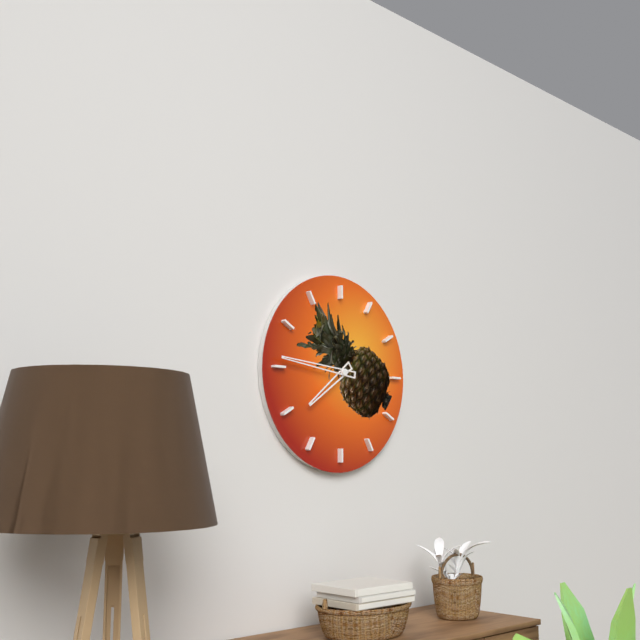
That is 7h46
